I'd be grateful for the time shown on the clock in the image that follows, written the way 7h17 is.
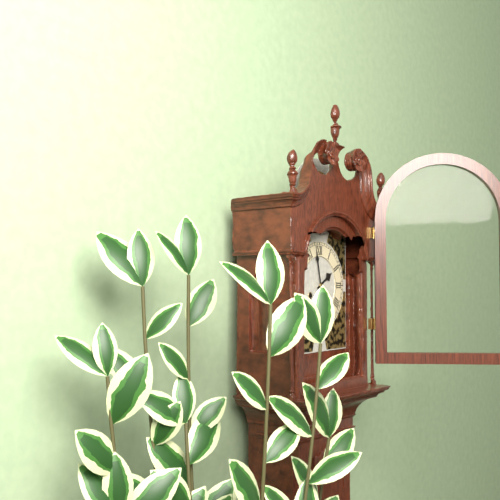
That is 1h58
